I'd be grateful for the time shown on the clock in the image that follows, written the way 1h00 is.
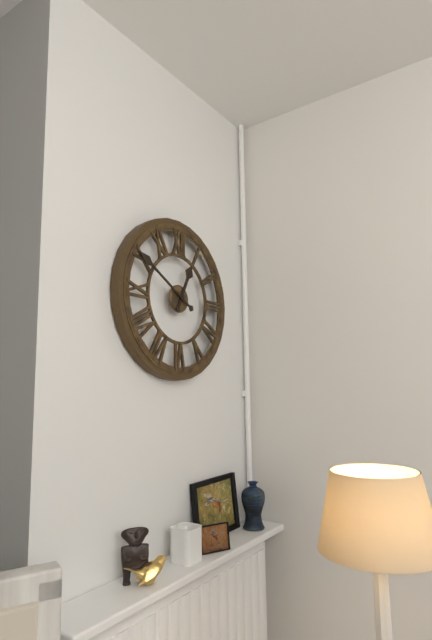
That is 12h50
